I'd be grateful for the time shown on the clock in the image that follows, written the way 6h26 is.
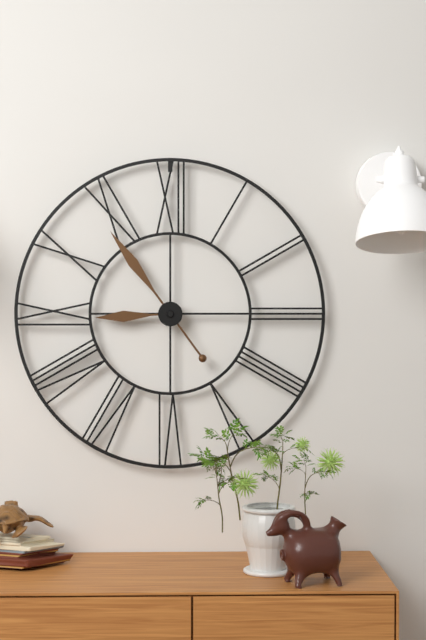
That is 8h54
